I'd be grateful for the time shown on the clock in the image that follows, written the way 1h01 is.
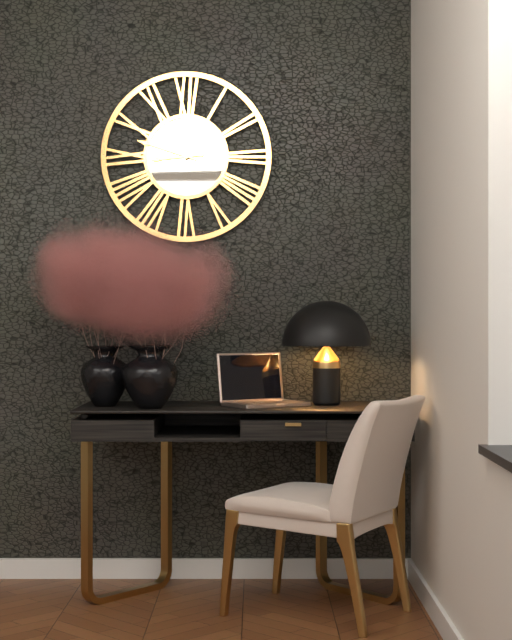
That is 8h48
